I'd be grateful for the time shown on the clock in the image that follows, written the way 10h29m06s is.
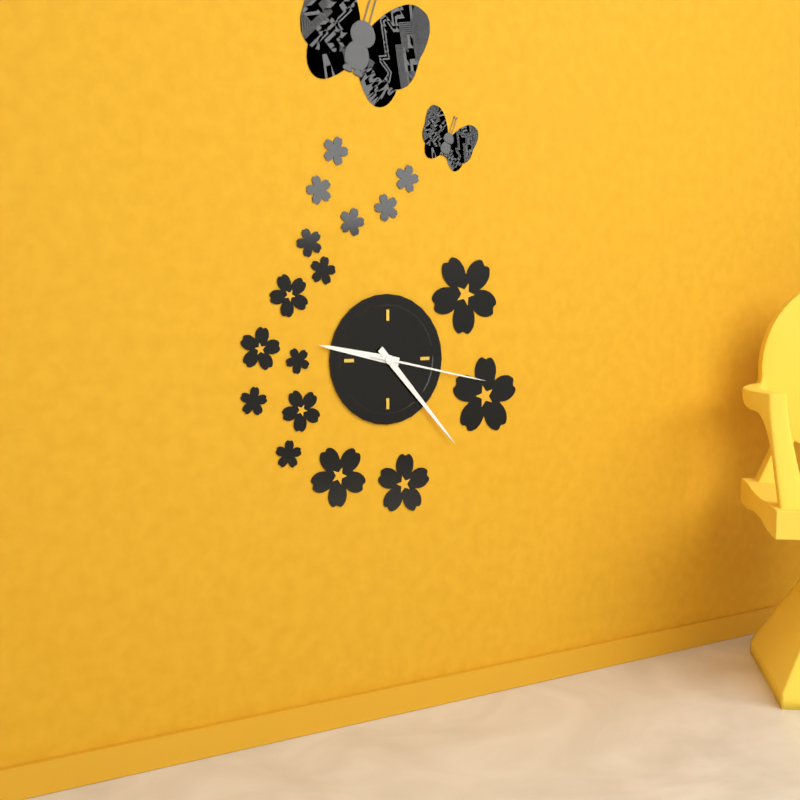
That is 9h23m17s
